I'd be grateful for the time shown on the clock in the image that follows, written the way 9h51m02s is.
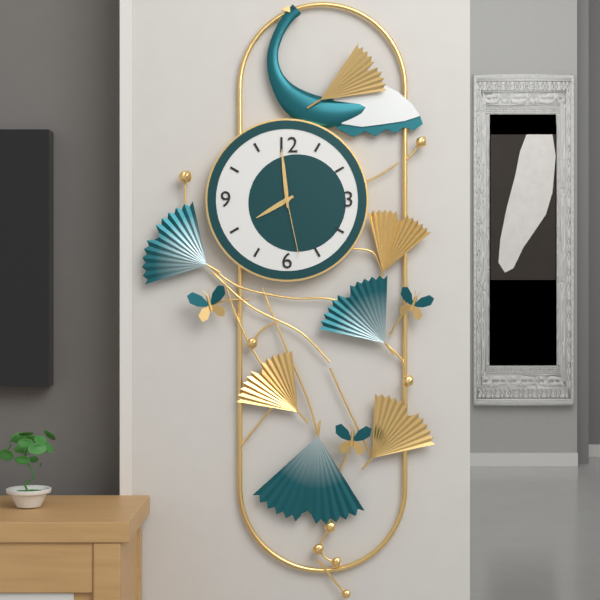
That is 7h59m28s
